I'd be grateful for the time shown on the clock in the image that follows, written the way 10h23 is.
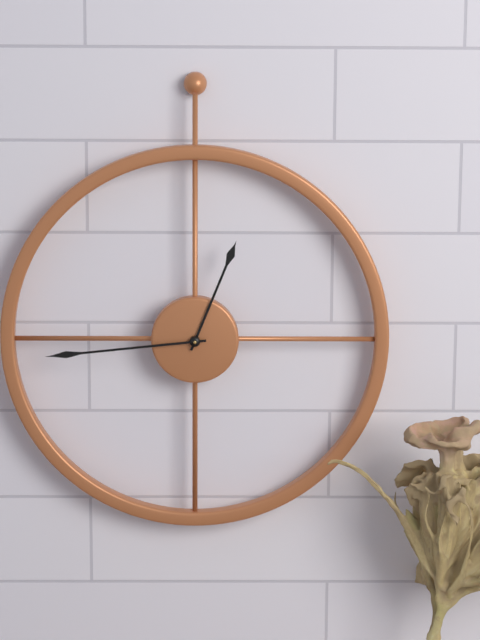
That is 12h44
